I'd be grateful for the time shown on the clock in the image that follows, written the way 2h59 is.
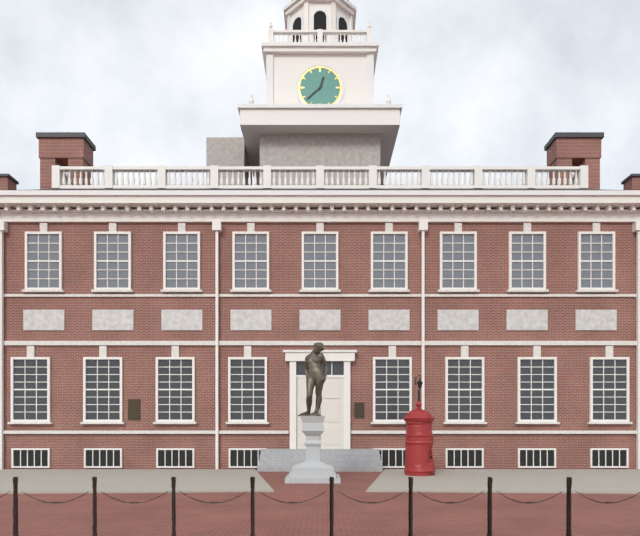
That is 12h38
